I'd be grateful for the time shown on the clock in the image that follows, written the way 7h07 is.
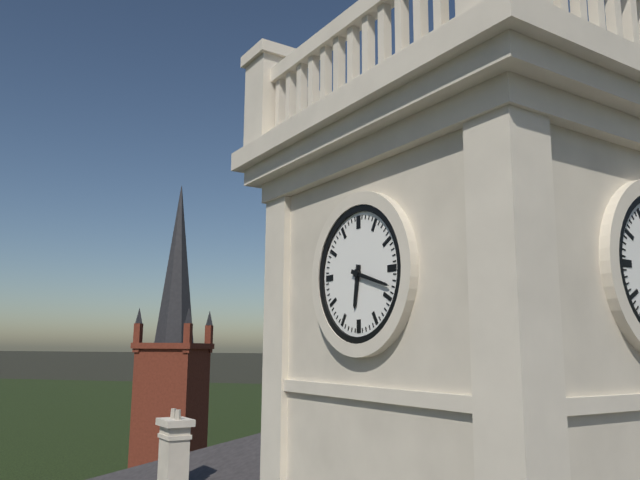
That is 6h18
